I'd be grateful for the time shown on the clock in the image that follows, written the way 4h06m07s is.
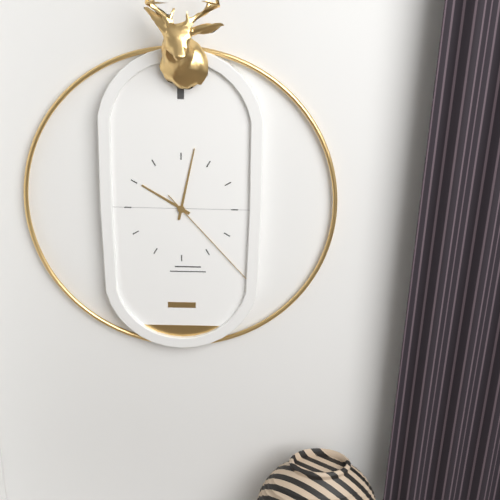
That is 10h02m23s
